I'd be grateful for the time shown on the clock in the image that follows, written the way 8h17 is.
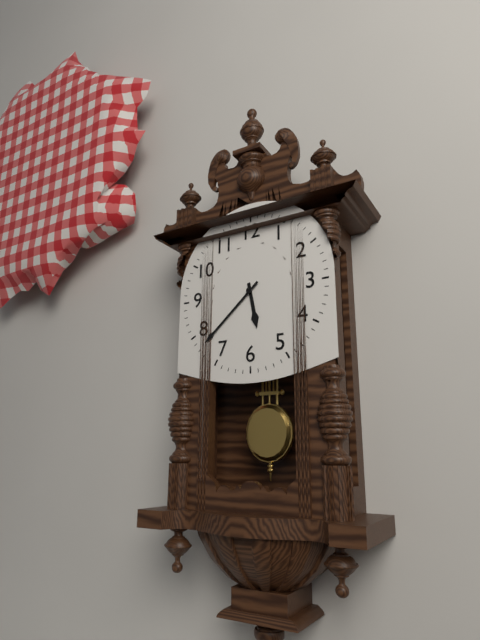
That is 5h38
